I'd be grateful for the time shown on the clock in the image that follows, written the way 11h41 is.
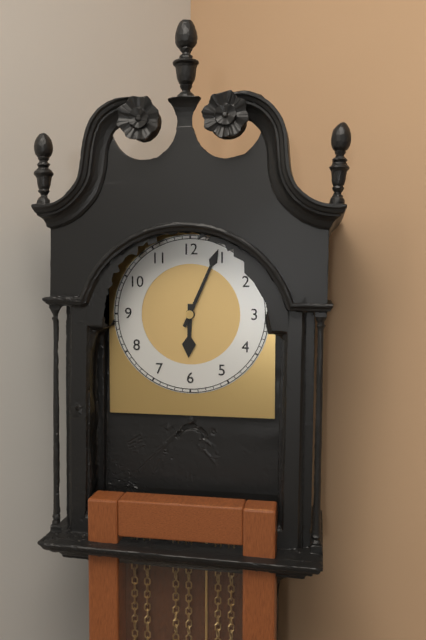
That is 6h04
